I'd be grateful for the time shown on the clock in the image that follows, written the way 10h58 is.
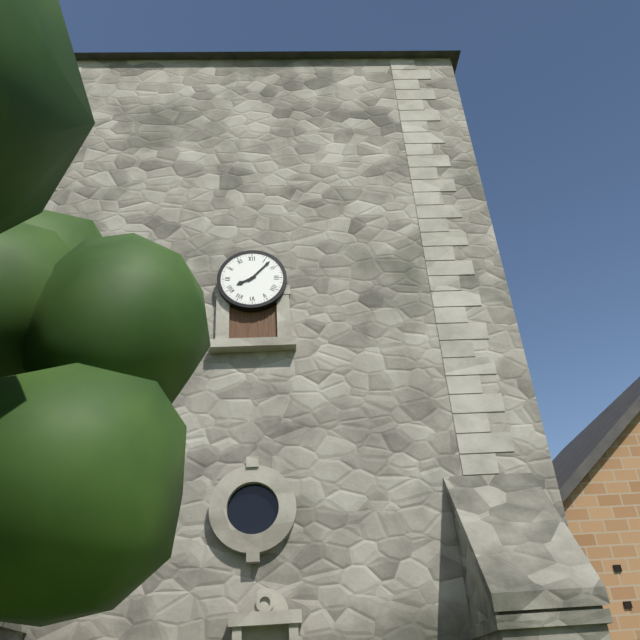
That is 8h07
